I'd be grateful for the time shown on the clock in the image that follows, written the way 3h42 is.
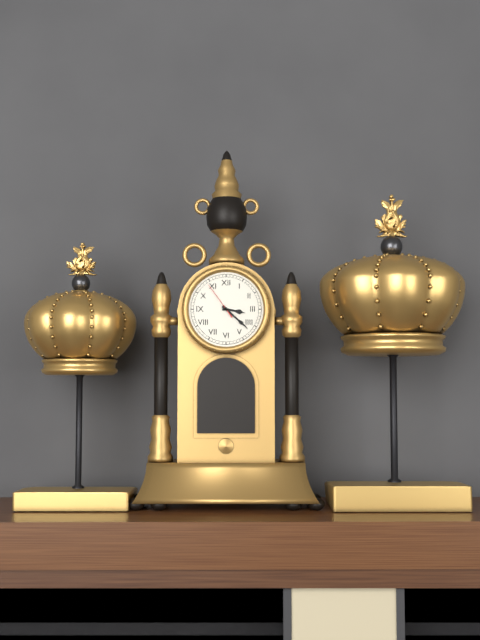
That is 3h22
